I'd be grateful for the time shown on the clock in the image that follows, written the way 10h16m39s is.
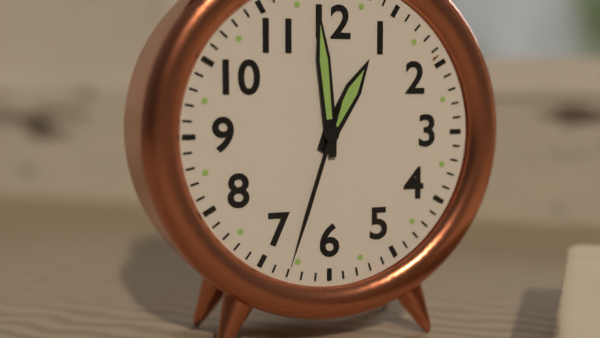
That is 12h59m33s
